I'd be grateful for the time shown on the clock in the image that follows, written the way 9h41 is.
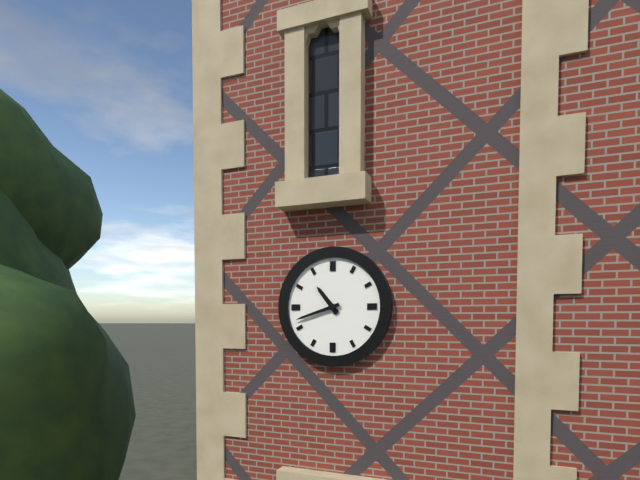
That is 10h42
